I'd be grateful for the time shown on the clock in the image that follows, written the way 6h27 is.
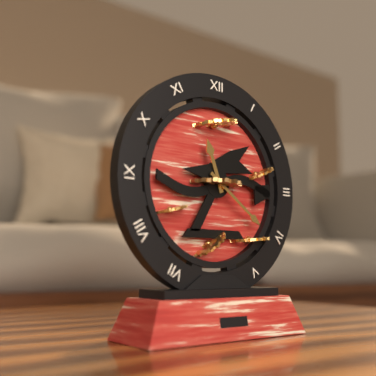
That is 11h21
